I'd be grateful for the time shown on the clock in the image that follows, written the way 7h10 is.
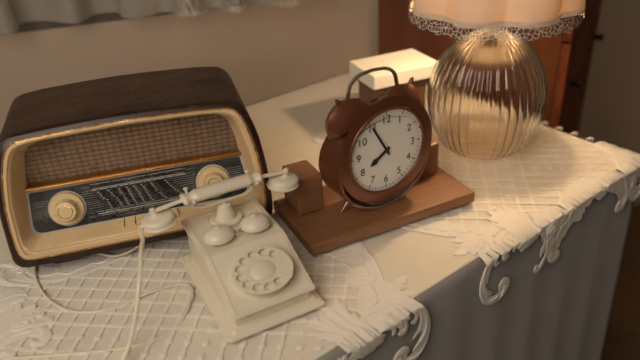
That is 7h55
